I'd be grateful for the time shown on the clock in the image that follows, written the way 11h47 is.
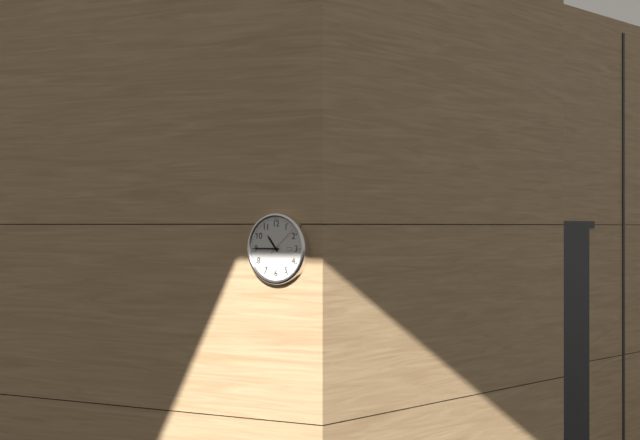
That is 10h45
